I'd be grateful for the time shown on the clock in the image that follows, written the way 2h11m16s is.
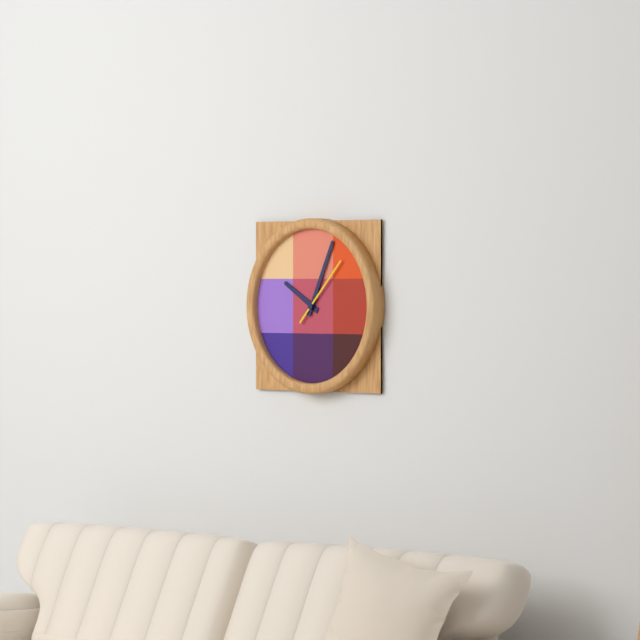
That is 10h04m07s
